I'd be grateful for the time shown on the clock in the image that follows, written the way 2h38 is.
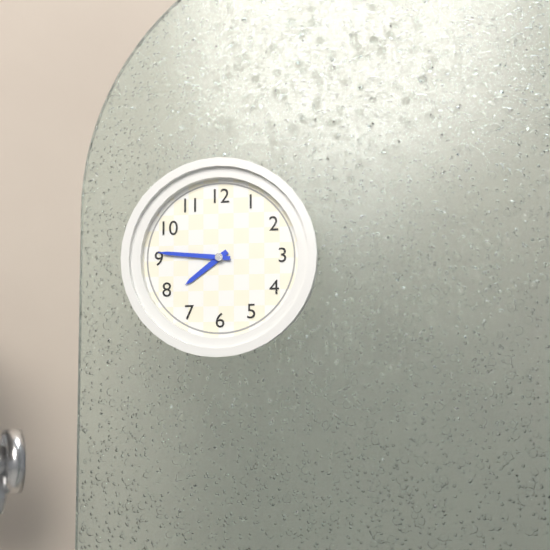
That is 7h46
